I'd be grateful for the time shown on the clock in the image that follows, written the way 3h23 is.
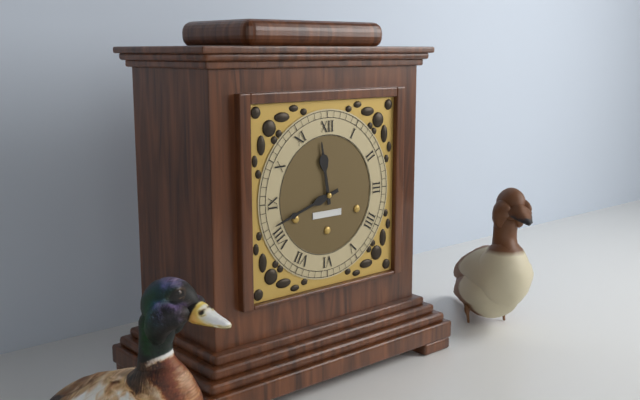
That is 11h42
